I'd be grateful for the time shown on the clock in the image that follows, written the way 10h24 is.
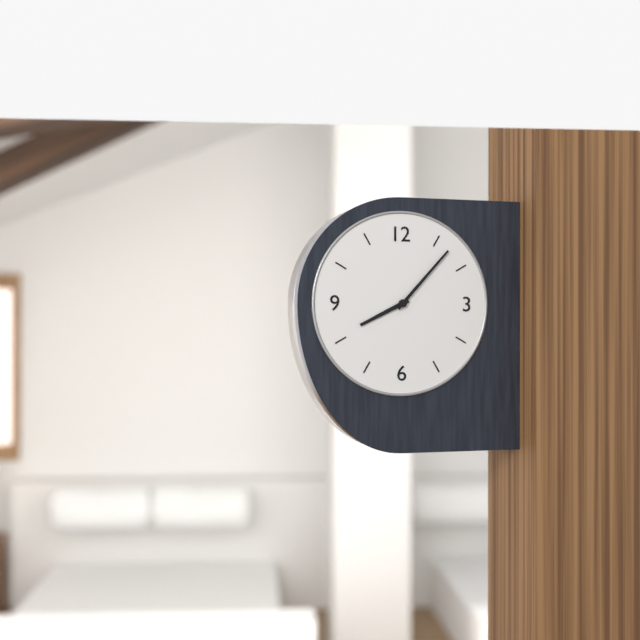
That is 8h07
